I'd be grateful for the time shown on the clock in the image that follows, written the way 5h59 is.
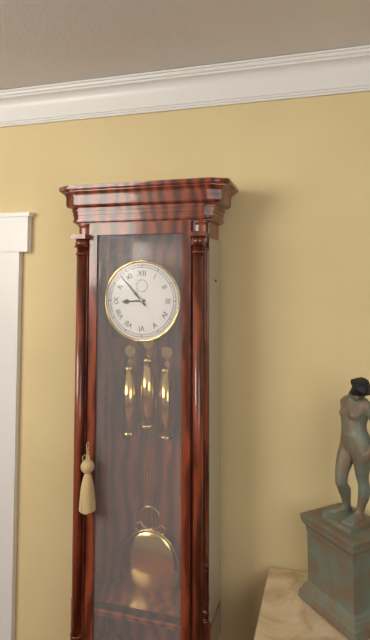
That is 8h53
